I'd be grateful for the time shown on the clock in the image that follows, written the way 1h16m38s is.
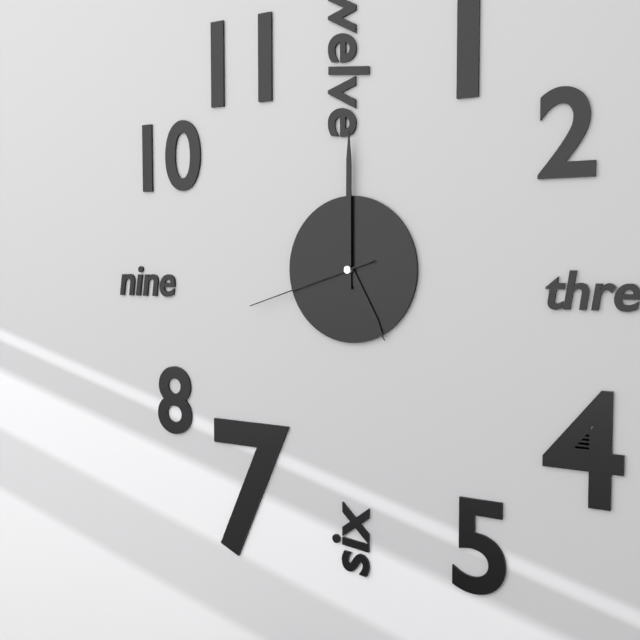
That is 5h00m42s
